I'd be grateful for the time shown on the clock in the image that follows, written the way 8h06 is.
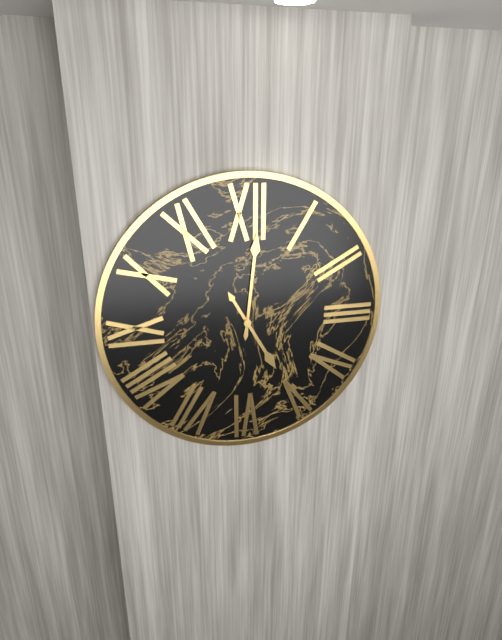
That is 5h01
